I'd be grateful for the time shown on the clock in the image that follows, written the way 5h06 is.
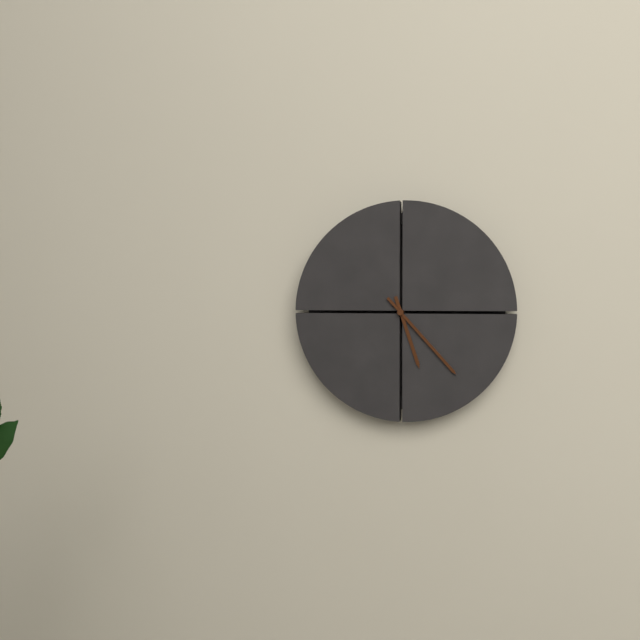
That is 5h23
